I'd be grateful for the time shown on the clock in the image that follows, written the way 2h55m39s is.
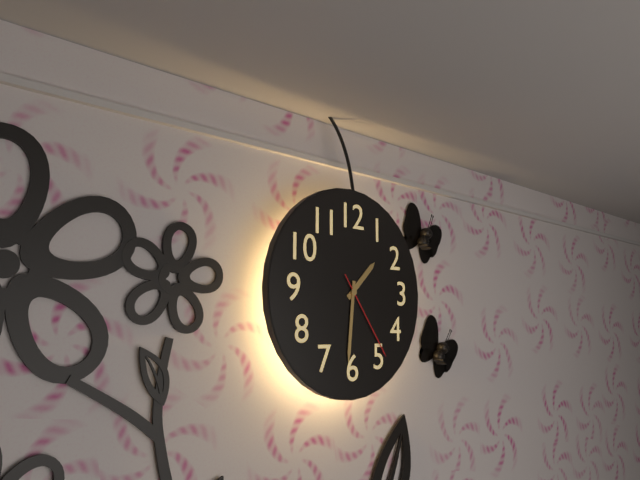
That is 1h31m24s
